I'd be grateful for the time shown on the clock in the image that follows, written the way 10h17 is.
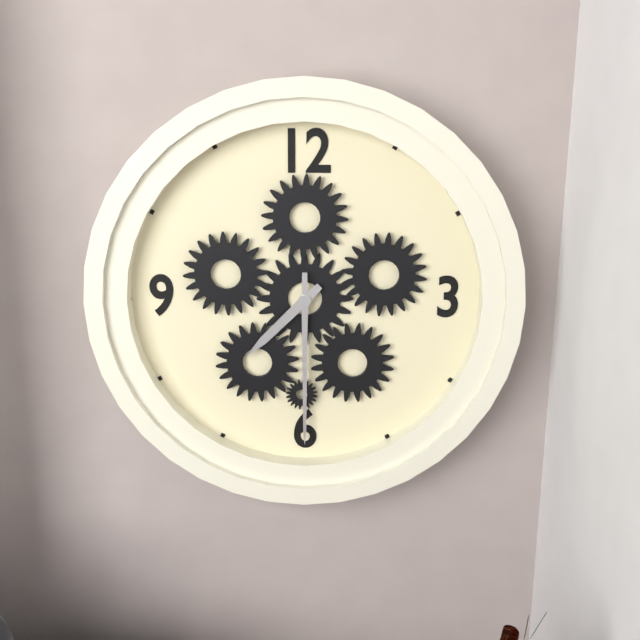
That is 7h30
